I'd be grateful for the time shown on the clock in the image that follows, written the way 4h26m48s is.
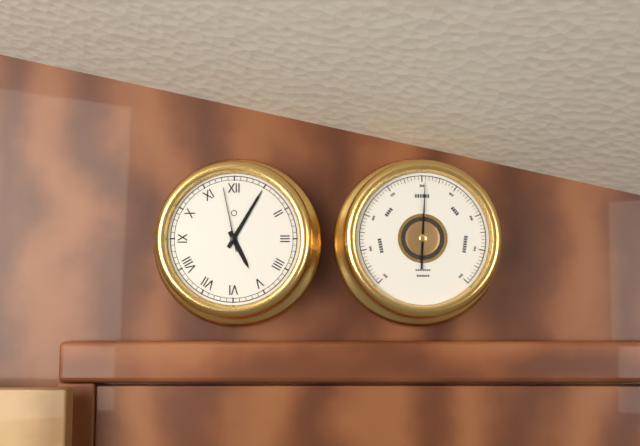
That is 5h05m58s
